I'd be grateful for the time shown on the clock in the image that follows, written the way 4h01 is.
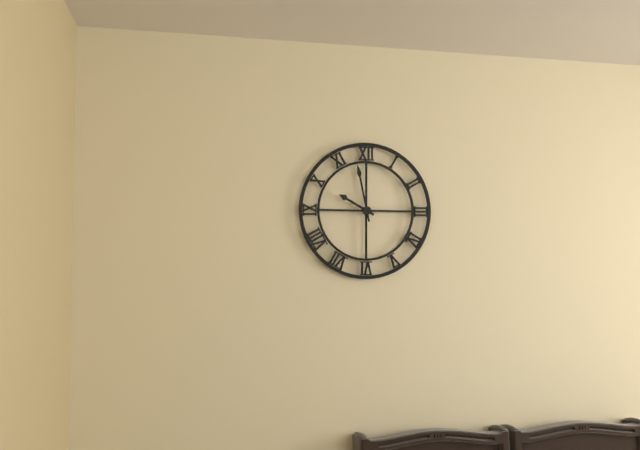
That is 9h58
